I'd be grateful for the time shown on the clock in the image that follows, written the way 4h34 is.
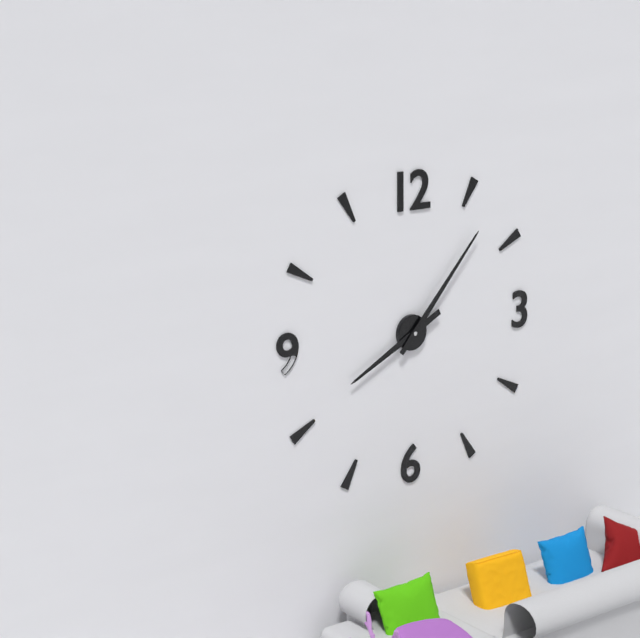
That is 8h07
